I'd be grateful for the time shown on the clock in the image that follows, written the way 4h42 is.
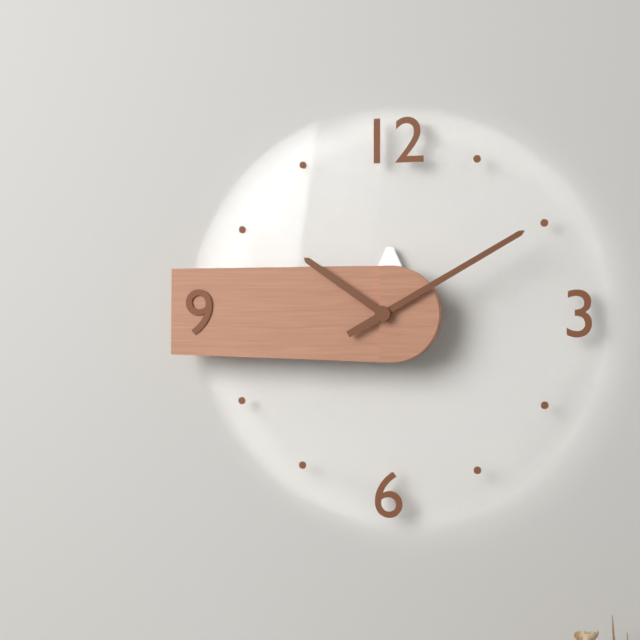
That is 10h10
